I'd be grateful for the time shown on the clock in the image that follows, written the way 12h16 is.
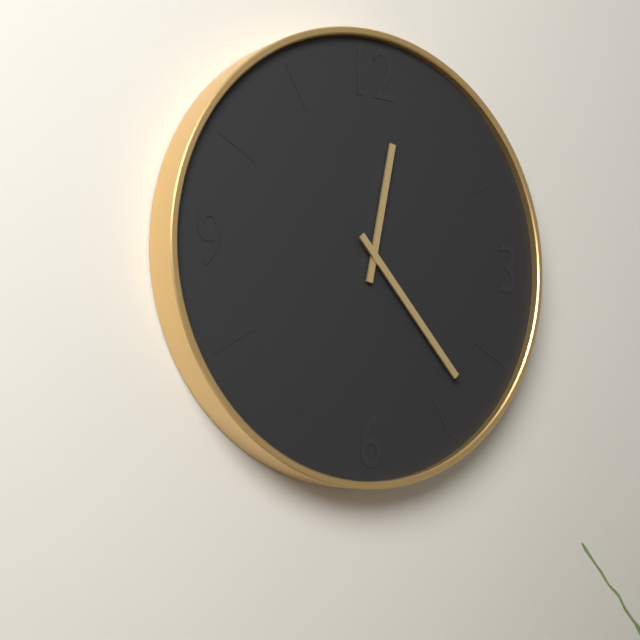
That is 12h23
